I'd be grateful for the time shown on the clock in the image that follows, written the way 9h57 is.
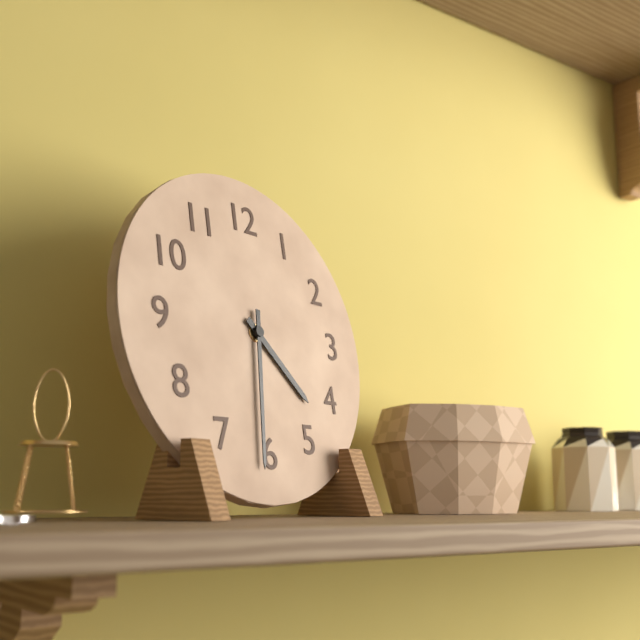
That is 4h31
